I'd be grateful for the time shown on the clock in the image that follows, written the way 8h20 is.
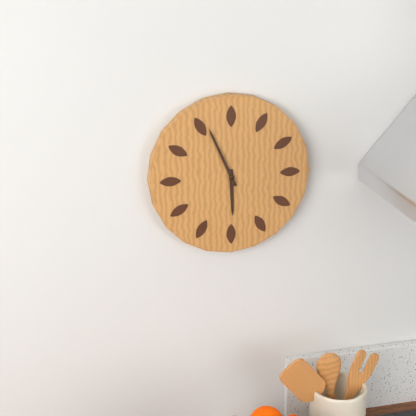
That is 5h56
